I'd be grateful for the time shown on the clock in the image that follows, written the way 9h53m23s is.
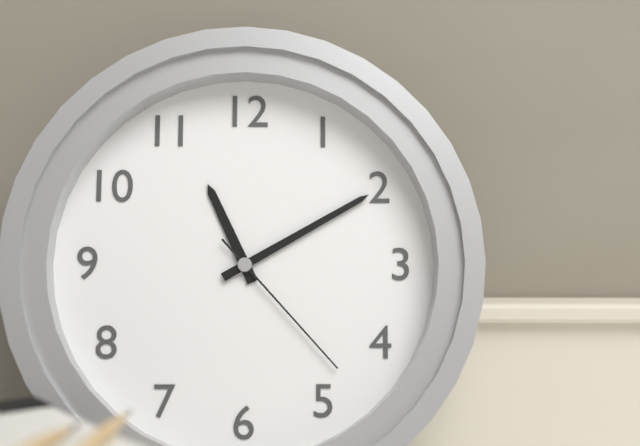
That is 11h10m23s
